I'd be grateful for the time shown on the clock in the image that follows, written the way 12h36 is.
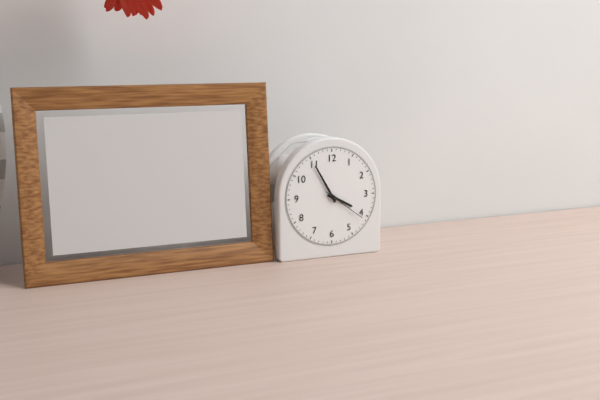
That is 3h55
